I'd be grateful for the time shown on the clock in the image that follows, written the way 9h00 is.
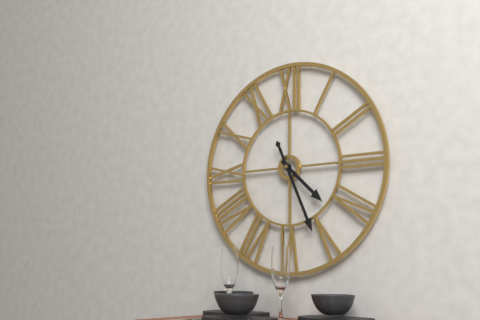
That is 4h26
